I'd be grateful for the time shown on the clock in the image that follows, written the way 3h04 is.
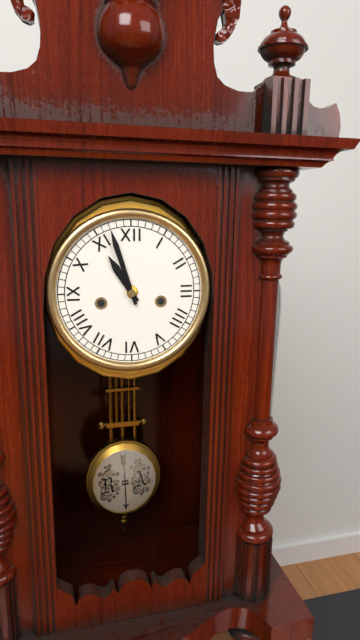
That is 10h57
